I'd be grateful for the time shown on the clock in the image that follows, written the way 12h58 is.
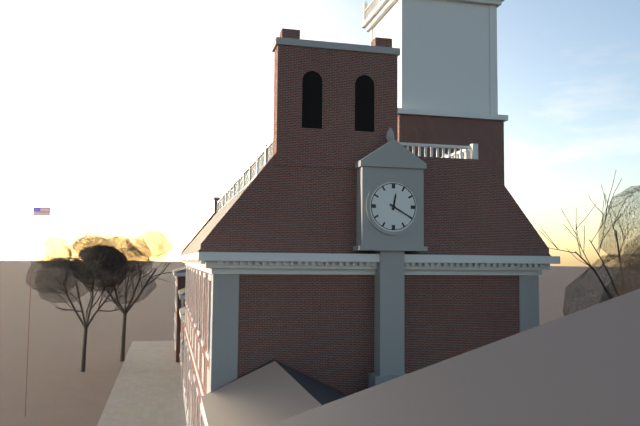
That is 12h20
